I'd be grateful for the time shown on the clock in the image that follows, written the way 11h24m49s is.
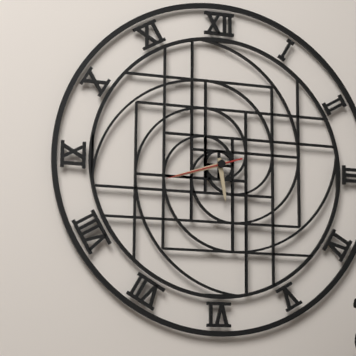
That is 5h42m42s
